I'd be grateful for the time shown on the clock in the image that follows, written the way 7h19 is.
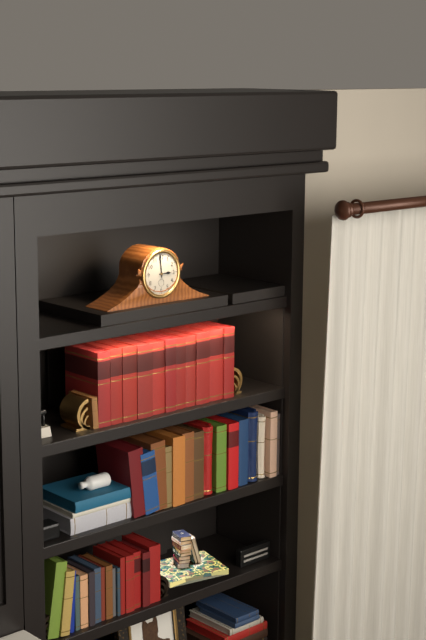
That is 2h59
